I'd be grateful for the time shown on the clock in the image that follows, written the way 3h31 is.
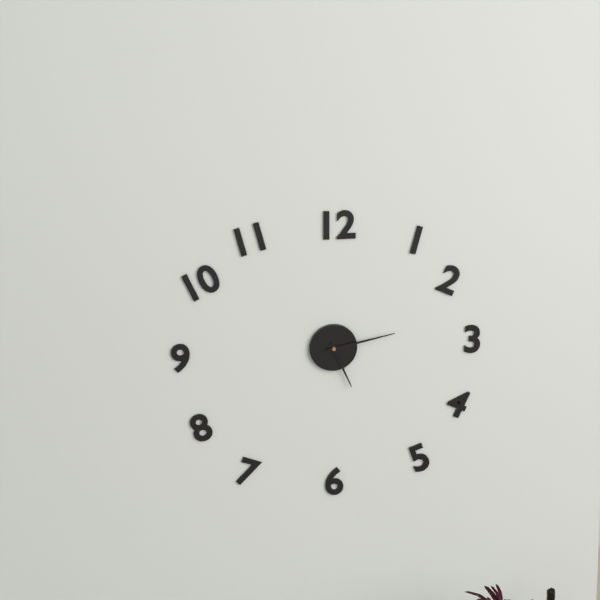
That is 5h13
